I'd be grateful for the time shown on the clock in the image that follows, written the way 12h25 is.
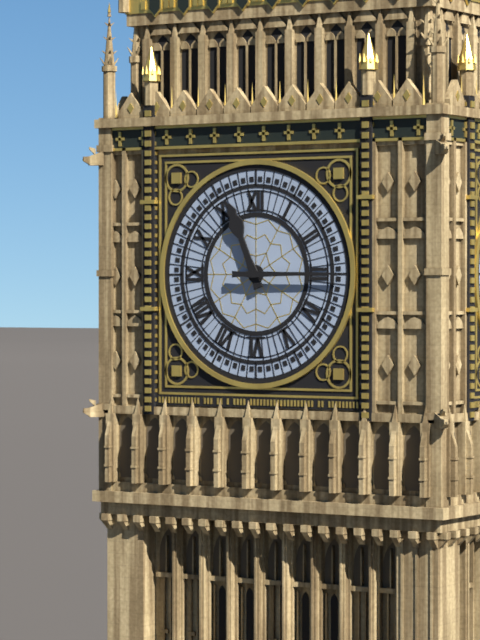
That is 11h15
